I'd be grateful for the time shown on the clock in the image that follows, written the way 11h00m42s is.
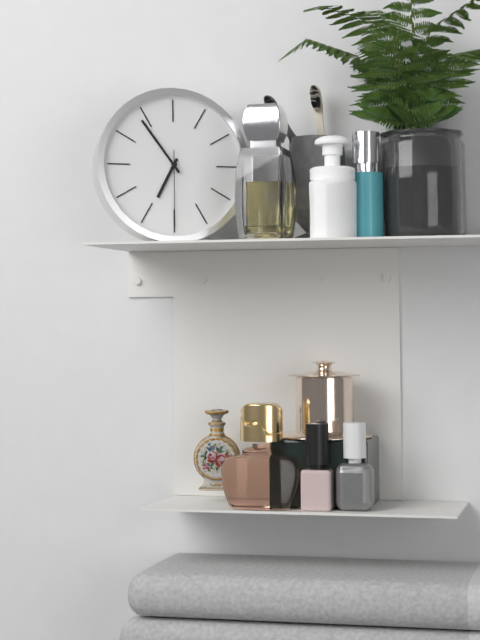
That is 6h54m30s
